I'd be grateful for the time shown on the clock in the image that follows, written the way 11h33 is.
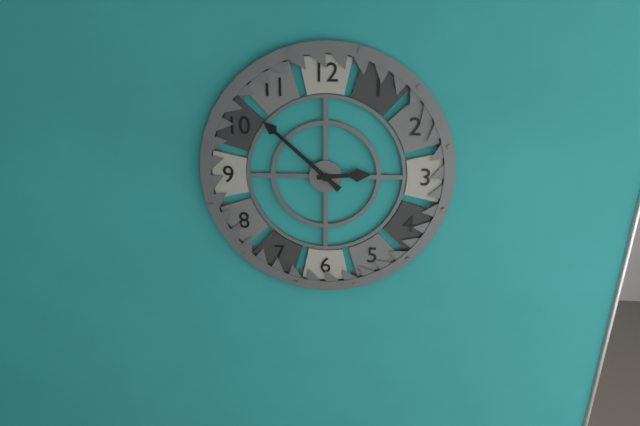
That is 2h52
